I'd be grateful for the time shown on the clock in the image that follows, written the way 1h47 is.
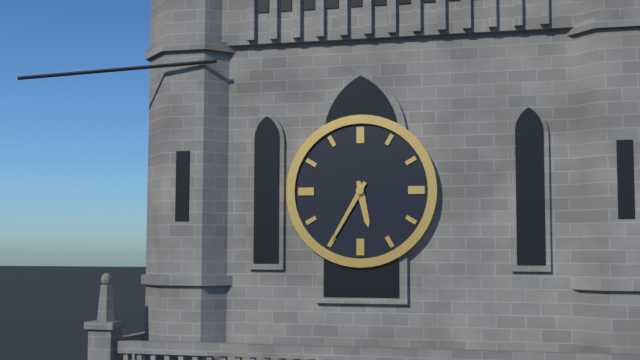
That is 5h35
